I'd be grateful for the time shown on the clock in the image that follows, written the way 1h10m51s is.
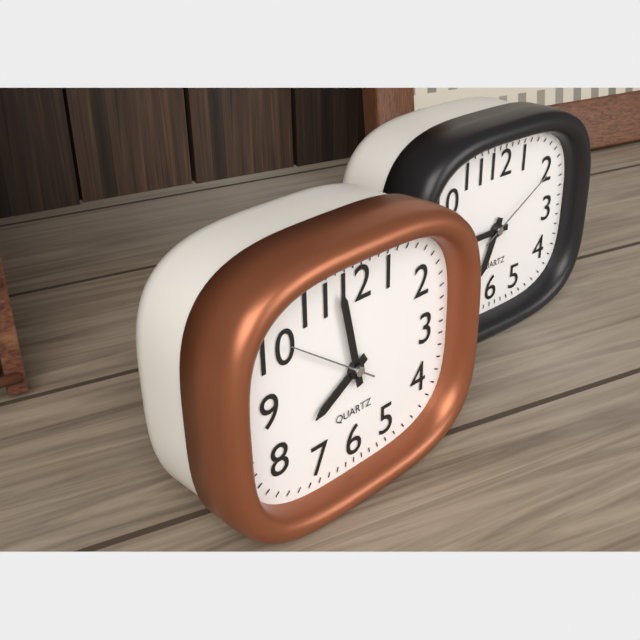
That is 7h58m51s
